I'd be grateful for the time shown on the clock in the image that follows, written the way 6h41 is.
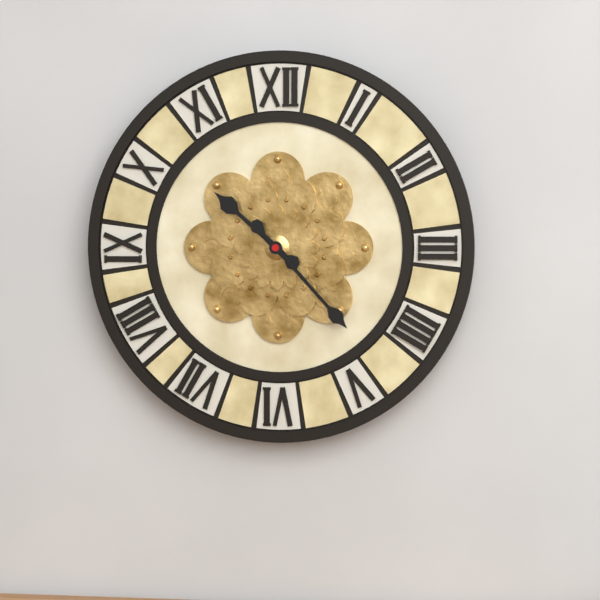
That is 10h23
